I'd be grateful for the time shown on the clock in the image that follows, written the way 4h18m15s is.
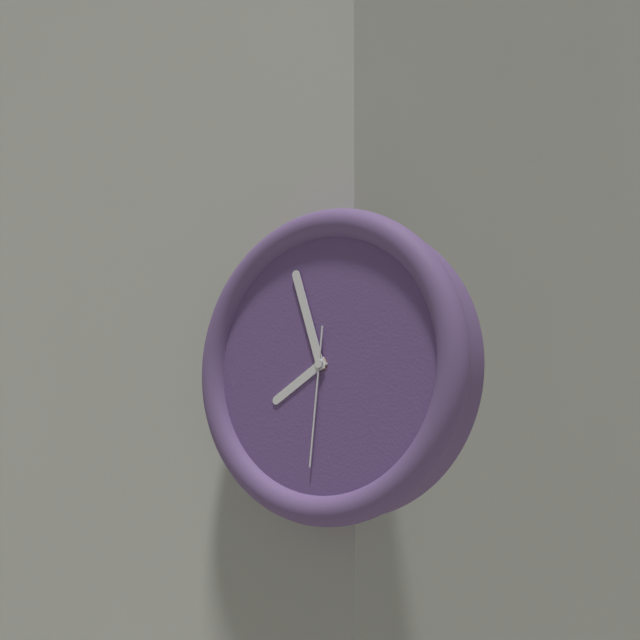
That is 7h57m31s
